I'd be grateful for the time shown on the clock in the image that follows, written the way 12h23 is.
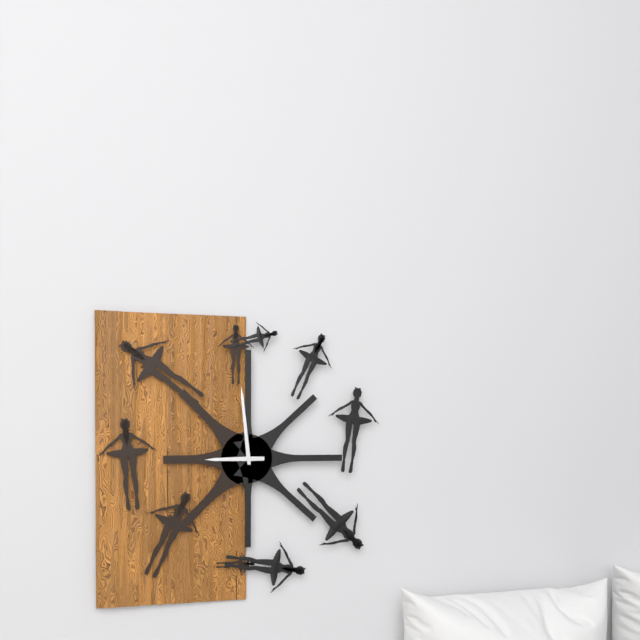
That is 8h59
